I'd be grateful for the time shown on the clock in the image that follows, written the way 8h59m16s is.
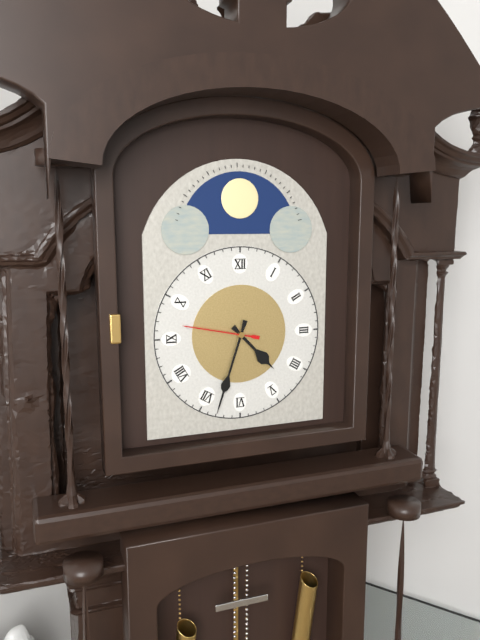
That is 4h33m47s
